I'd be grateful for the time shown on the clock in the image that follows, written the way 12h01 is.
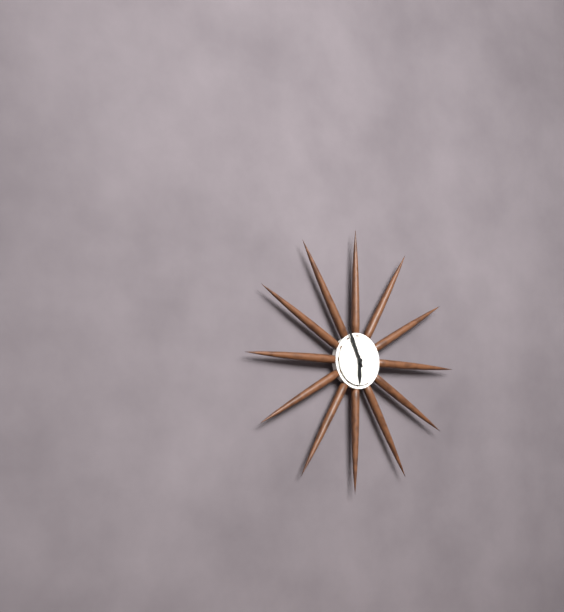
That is 5h56
